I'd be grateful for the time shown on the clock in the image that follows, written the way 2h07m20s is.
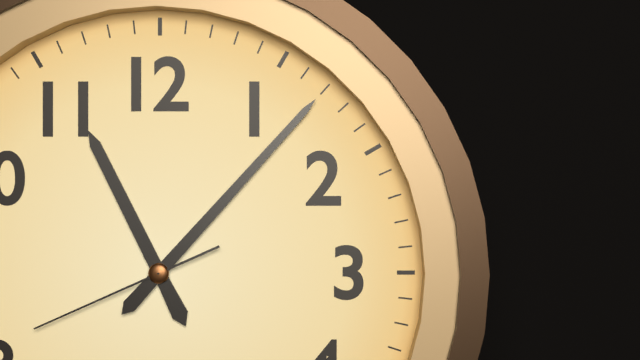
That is 11h07m41s
